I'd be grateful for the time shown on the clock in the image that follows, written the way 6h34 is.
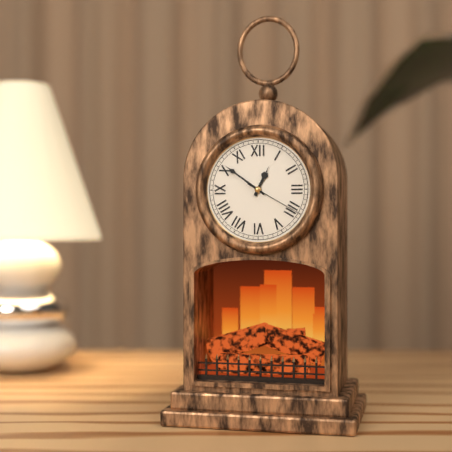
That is 12h51
